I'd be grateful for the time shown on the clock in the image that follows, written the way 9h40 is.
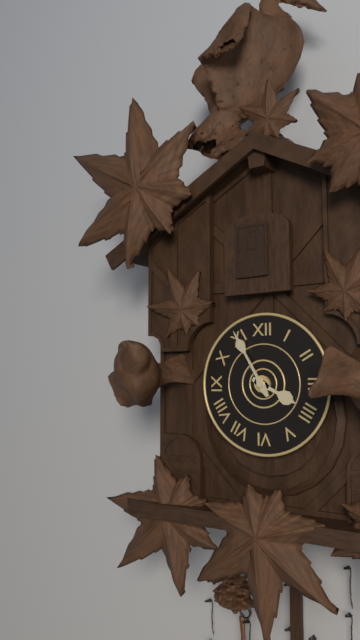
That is 3h55
